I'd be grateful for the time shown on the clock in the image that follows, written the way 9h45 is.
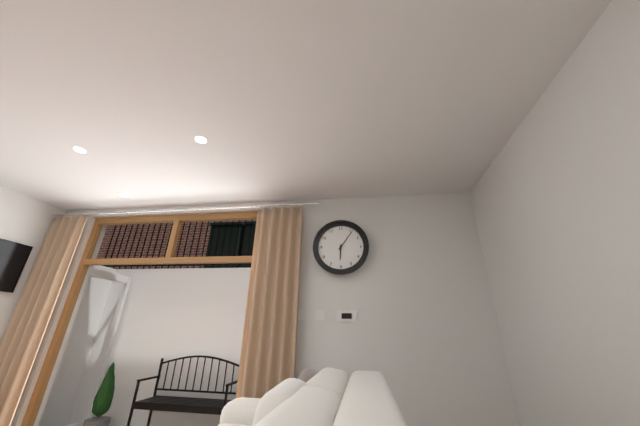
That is 6h06
